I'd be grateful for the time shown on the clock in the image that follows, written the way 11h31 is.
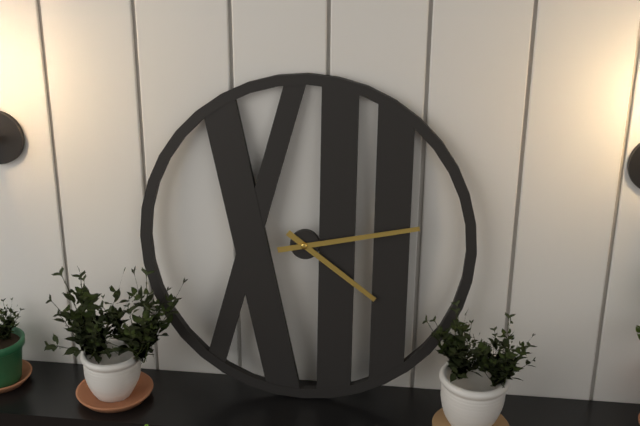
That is 4h13
